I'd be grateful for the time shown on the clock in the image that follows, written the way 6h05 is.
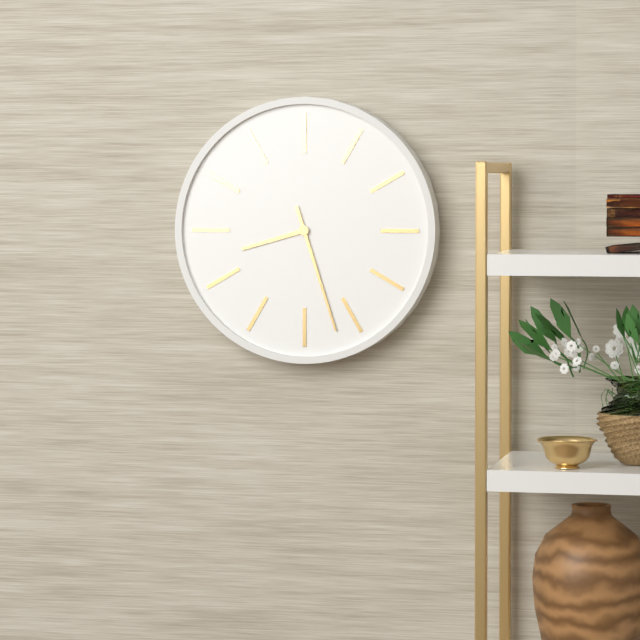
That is 8h27
